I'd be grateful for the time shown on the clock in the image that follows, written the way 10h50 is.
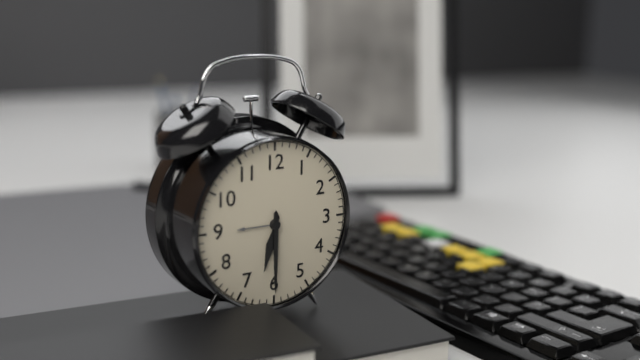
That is 6h30
